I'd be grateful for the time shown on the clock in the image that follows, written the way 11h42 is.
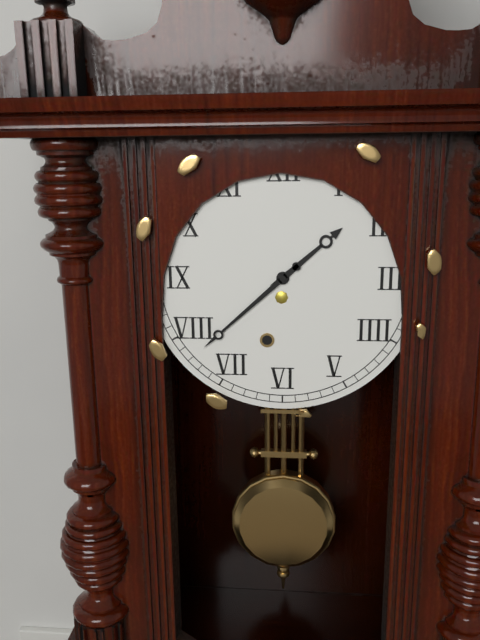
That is 1h38
